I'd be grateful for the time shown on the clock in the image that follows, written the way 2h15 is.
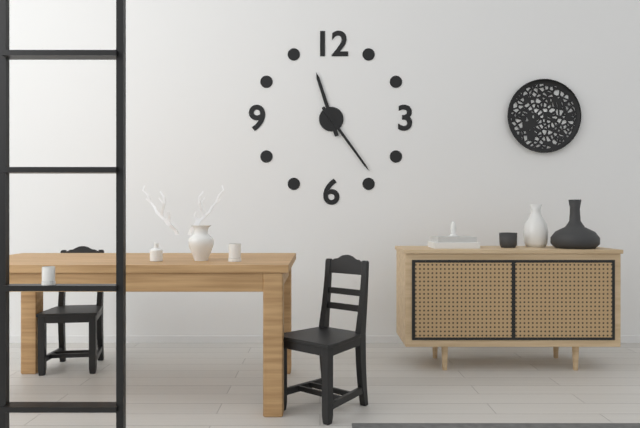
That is 11h24
